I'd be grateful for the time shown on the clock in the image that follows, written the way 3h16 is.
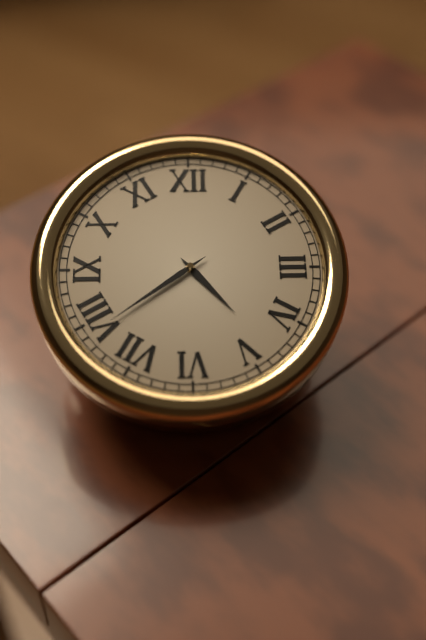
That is 4h39
